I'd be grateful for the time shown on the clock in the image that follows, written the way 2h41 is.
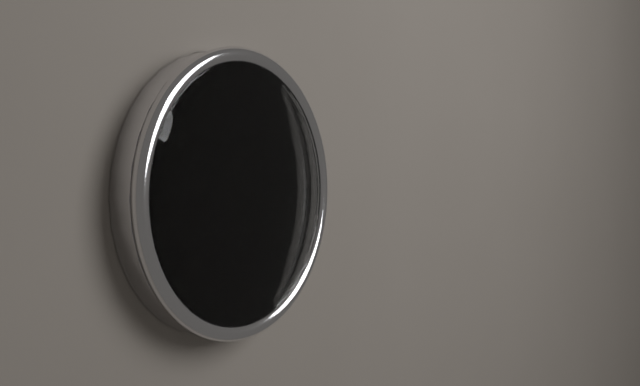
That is 2h59
